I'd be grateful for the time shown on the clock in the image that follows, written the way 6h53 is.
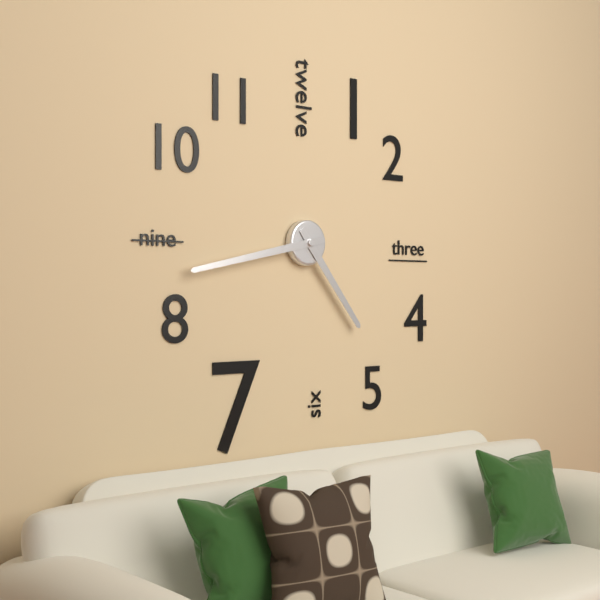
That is 4h43
